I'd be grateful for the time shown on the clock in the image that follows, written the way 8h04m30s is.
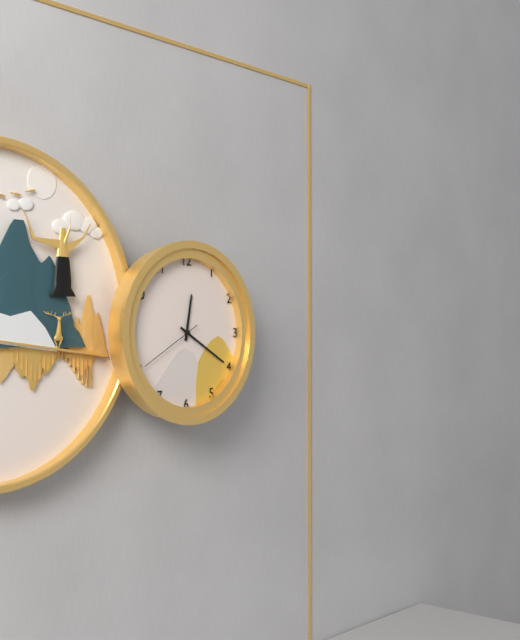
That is 12h20m40s
